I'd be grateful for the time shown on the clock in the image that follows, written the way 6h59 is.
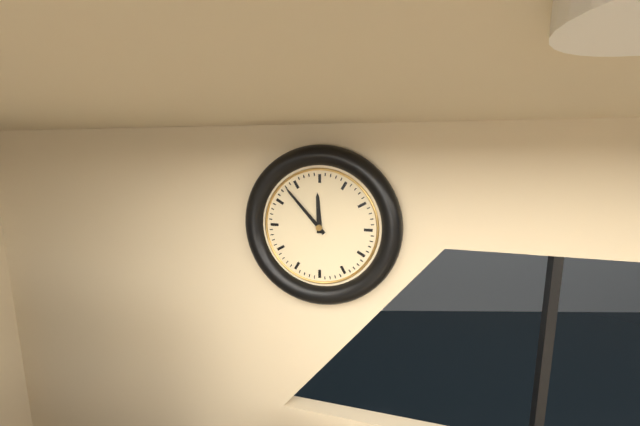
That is 11h53
